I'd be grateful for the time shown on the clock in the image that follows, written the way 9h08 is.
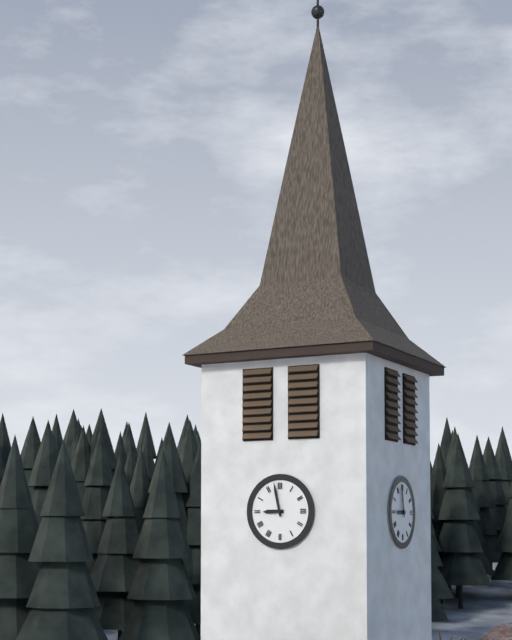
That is 8h58
